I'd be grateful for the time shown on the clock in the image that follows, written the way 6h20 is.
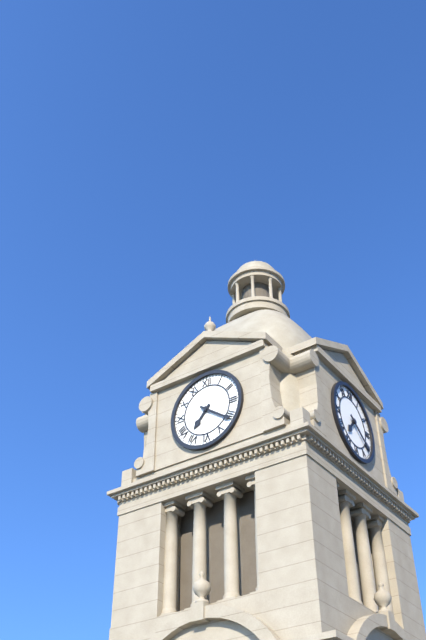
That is 7h21
